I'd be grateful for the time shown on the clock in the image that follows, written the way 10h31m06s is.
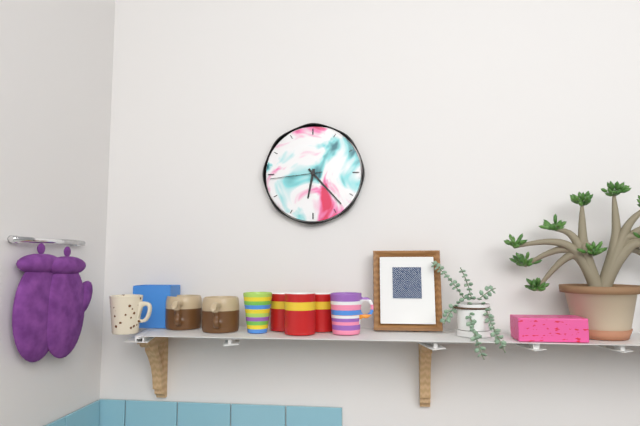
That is 6h23m44s
